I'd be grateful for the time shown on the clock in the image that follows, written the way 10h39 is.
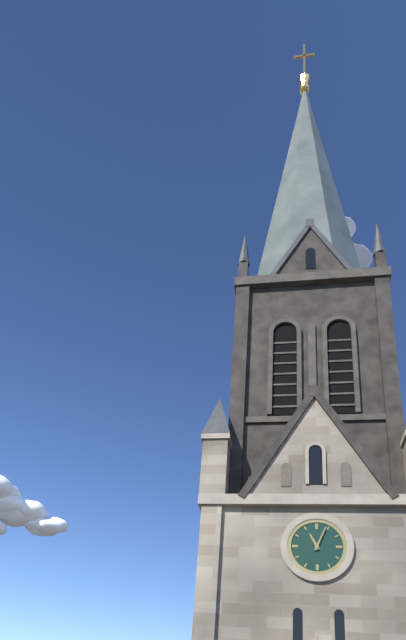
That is 11h04
